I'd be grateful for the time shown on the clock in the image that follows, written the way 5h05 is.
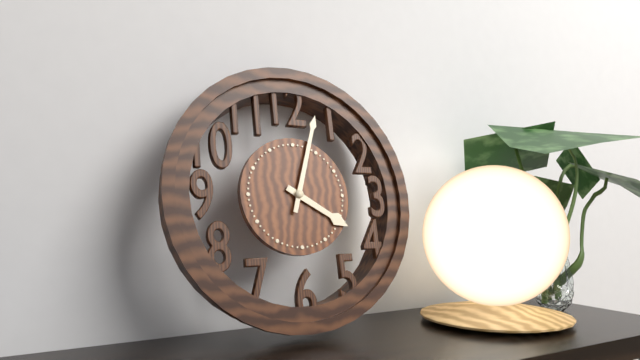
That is 4h03
